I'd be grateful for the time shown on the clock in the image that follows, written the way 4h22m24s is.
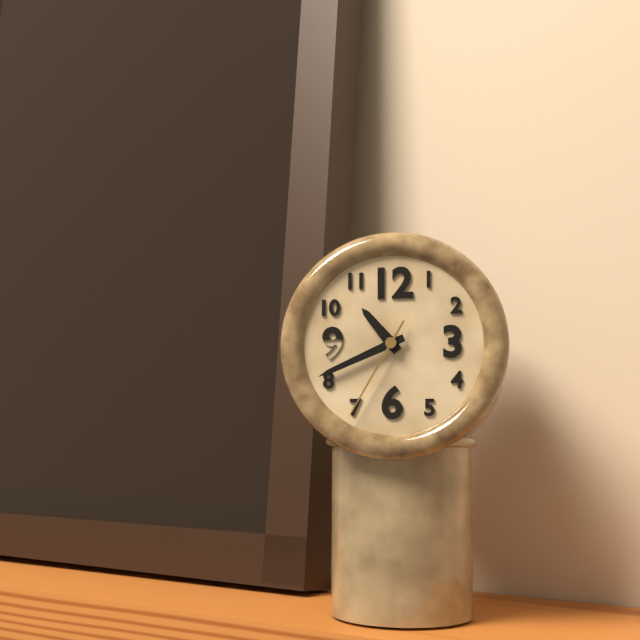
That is 10h41m35s
